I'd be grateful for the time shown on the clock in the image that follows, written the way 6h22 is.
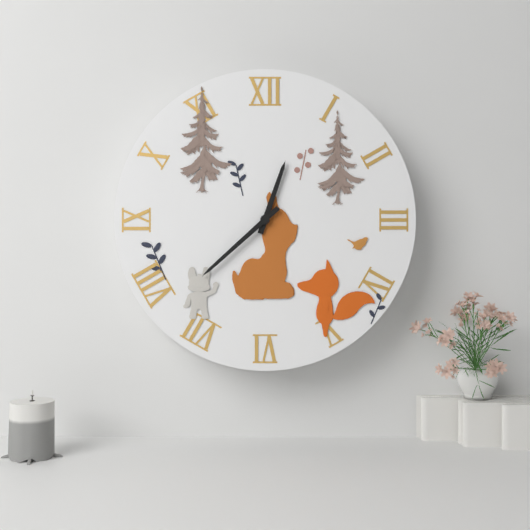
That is 12h38
